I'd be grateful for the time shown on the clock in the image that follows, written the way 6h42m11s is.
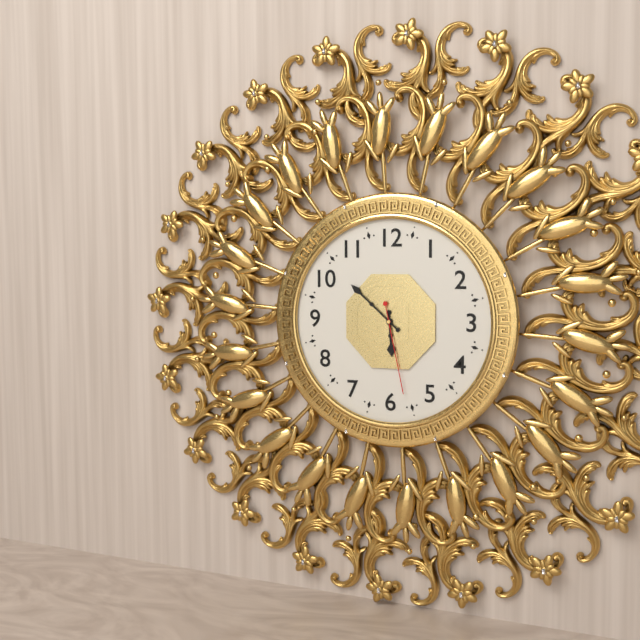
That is 5h52m28s
